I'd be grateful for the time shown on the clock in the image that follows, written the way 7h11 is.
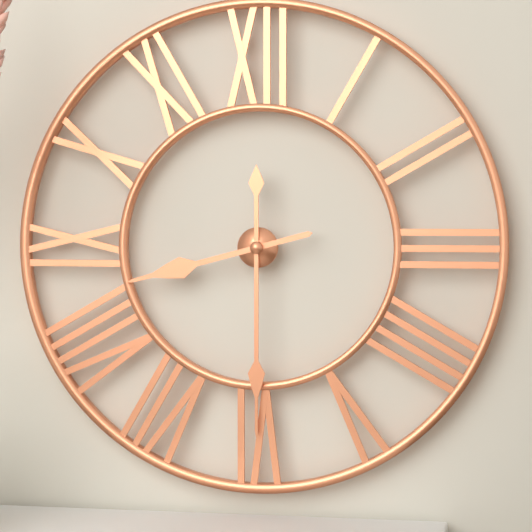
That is 8h30
